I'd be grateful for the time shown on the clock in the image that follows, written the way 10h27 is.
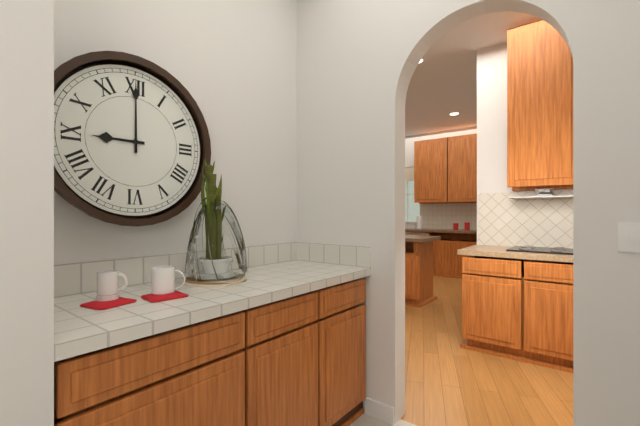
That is 9h00
